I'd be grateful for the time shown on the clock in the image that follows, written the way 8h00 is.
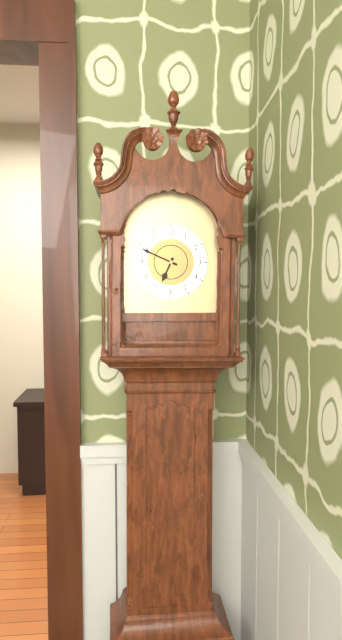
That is 6h49
